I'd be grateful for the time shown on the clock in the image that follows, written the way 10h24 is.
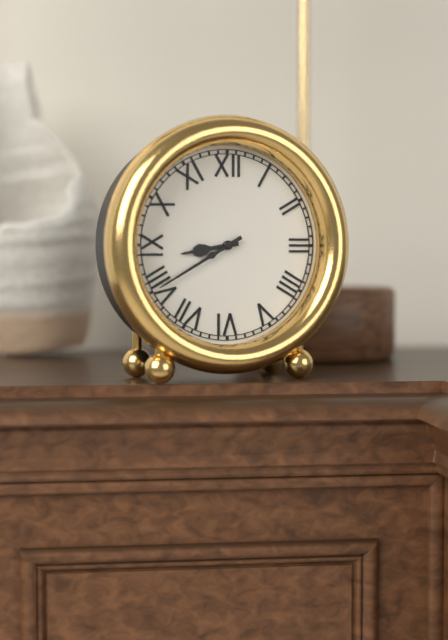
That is 8h40
